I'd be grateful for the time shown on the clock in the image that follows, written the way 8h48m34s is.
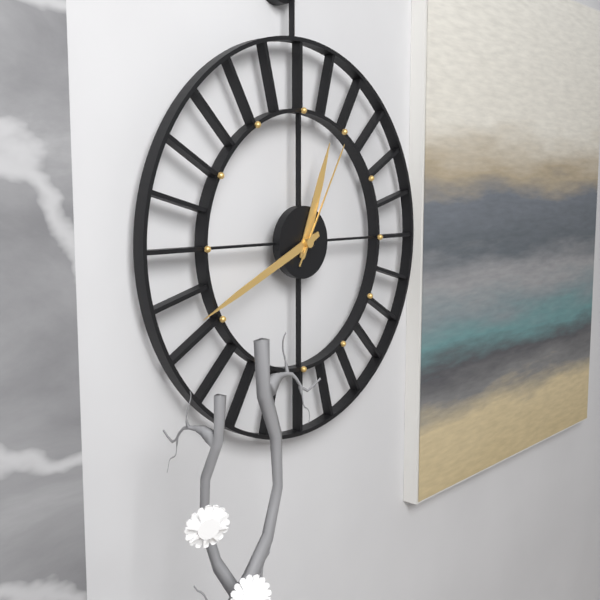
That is 12h41m05s
